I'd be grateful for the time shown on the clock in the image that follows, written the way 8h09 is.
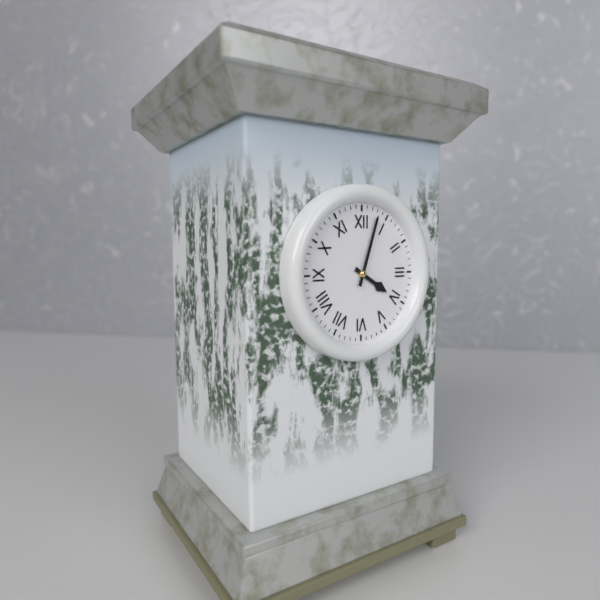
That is 4h03
